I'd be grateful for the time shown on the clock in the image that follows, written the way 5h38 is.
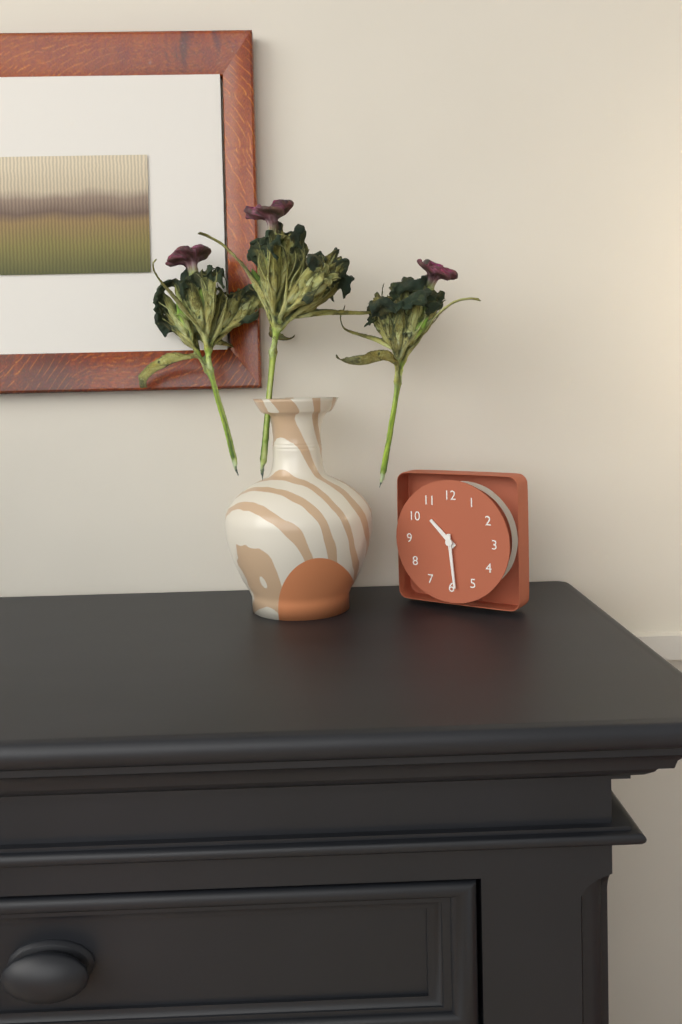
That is 10h29
